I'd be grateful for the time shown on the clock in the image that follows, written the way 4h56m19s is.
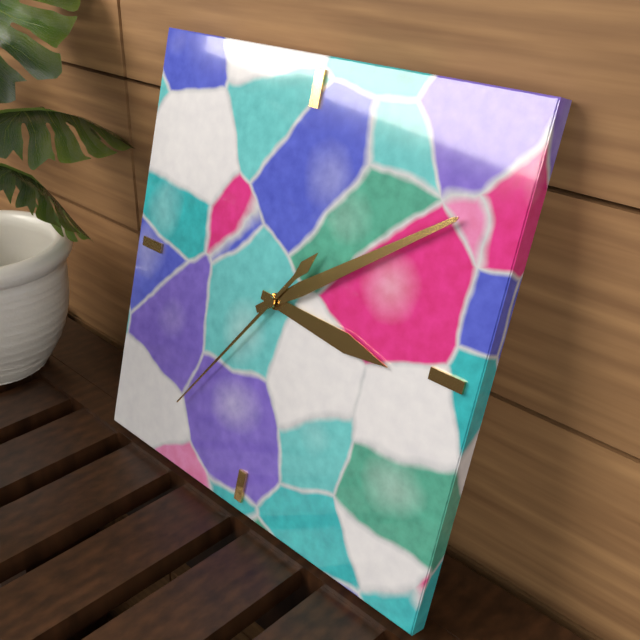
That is 3h09m36s
